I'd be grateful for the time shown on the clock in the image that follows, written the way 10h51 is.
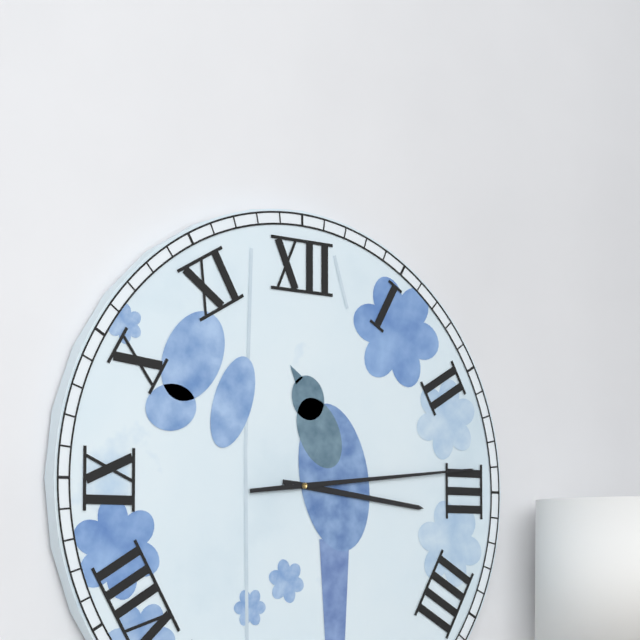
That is 3h14
